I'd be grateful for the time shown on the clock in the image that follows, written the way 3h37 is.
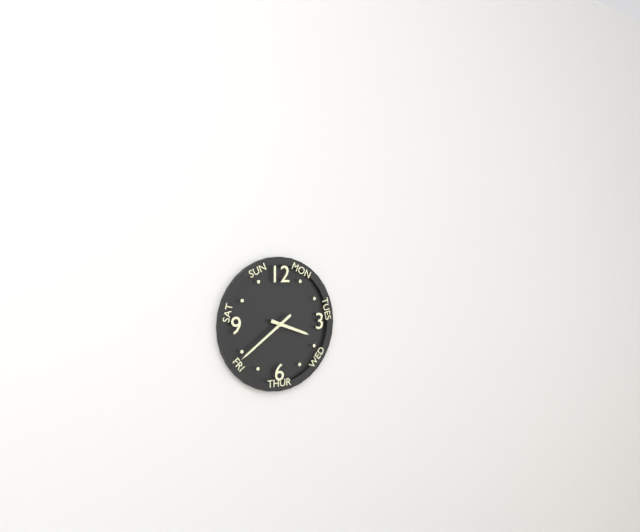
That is 3h39
